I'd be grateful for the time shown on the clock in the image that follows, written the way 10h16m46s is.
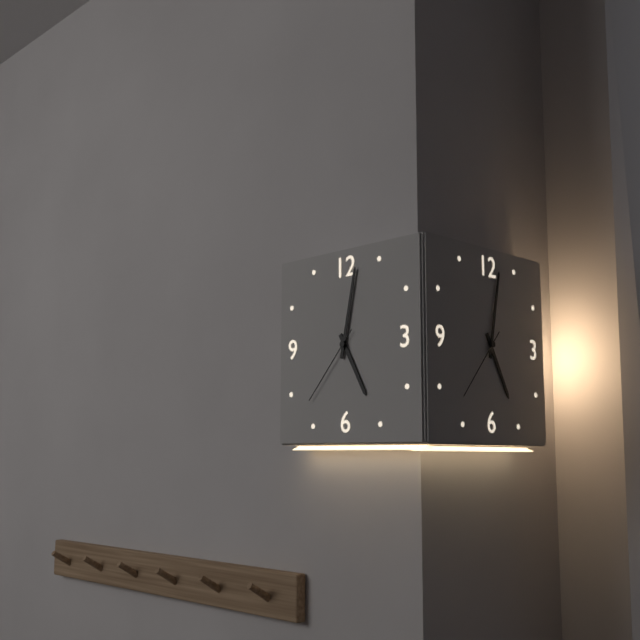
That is 5h02m37s
